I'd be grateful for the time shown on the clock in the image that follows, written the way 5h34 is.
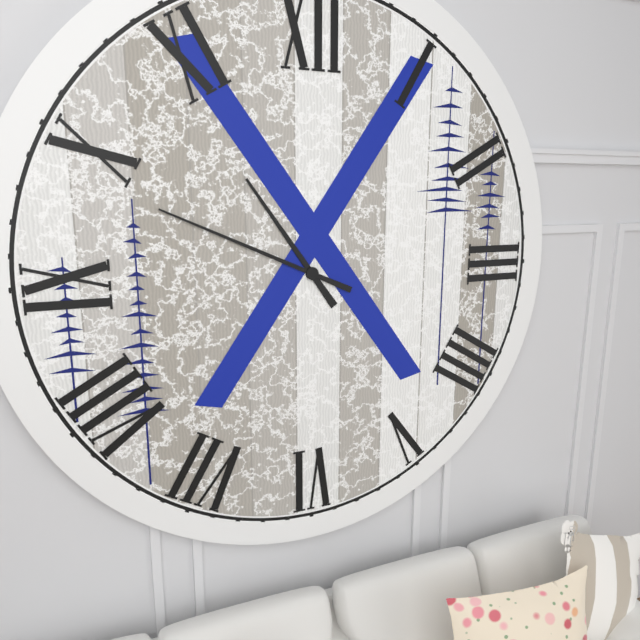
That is 10h49
